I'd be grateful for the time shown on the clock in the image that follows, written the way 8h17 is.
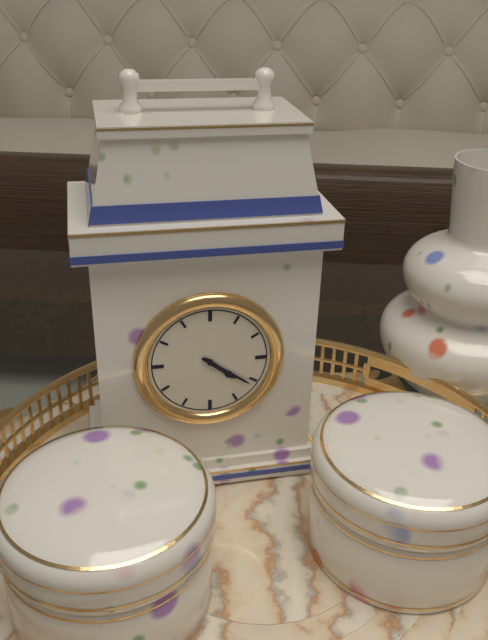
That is 4h21
